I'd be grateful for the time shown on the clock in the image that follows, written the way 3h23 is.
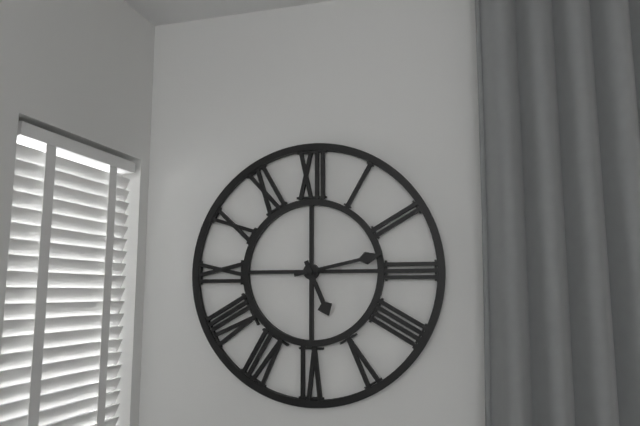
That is 5h13
